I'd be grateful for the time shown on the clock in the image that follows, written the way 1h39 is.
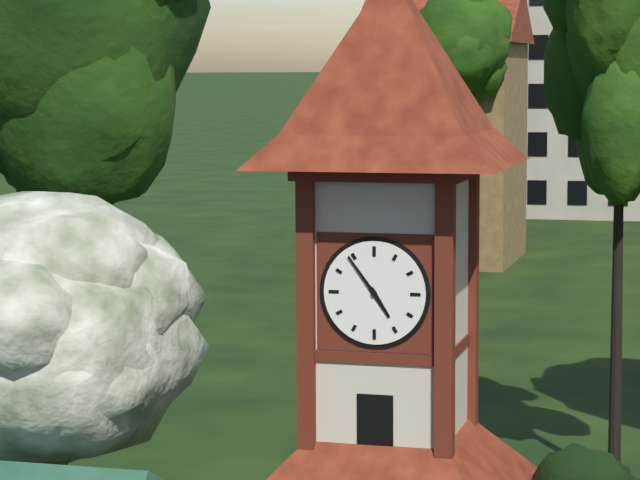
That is 4h54
